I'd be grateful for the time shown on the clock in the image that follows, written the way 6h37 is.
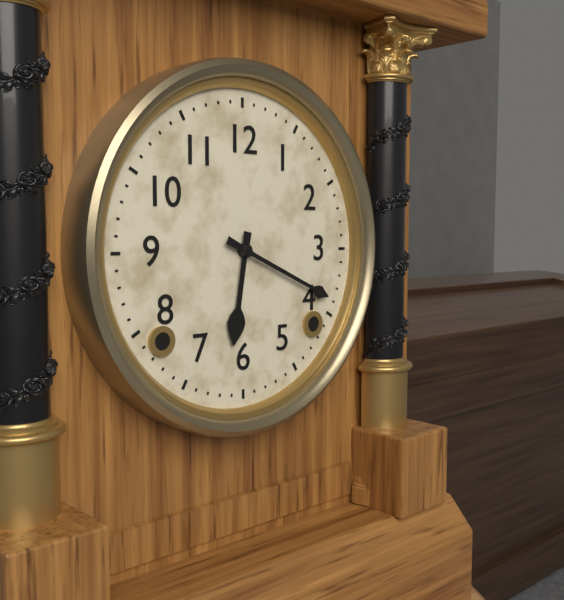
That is 6h19
